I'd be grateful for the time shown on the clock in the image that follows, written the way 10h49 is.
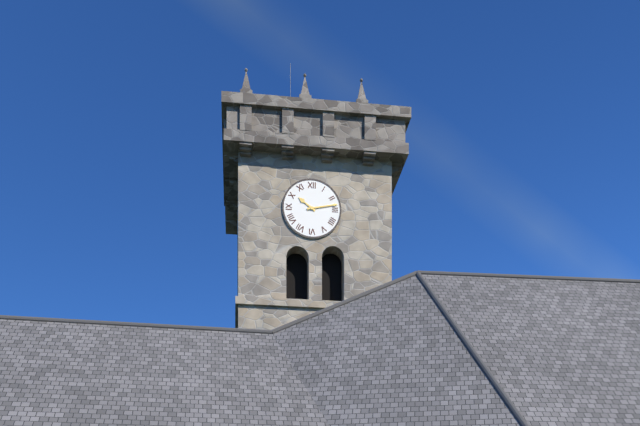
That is 10h13
